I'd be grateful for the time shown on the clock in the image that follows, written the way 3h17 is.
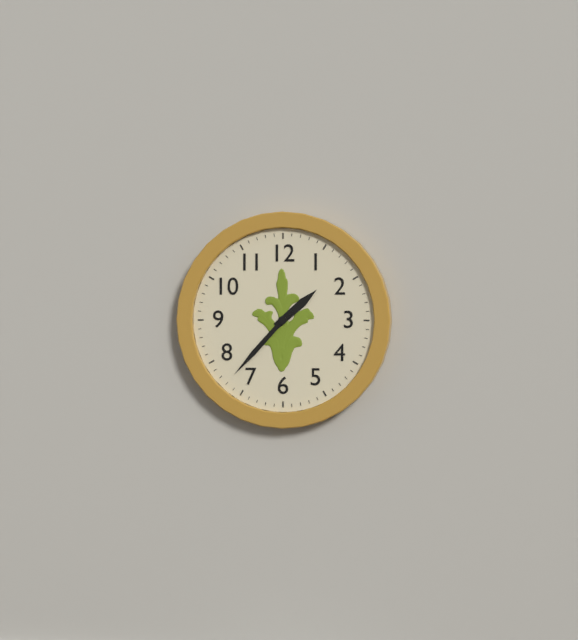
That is 1h37
